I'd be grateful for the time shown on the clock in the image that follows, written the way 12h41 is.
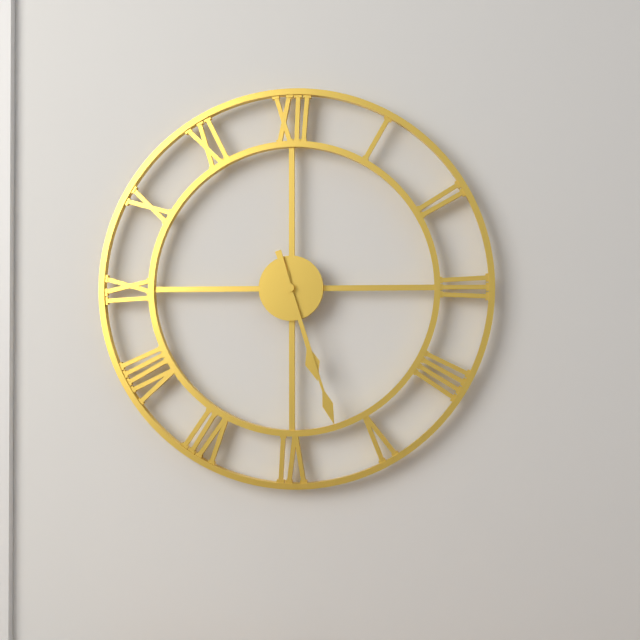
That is 5h27
